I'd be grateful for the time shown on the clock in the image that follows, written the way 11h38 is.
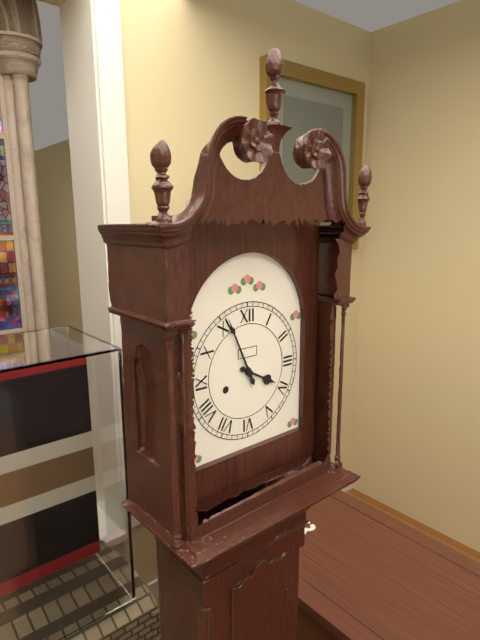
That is 3h56
